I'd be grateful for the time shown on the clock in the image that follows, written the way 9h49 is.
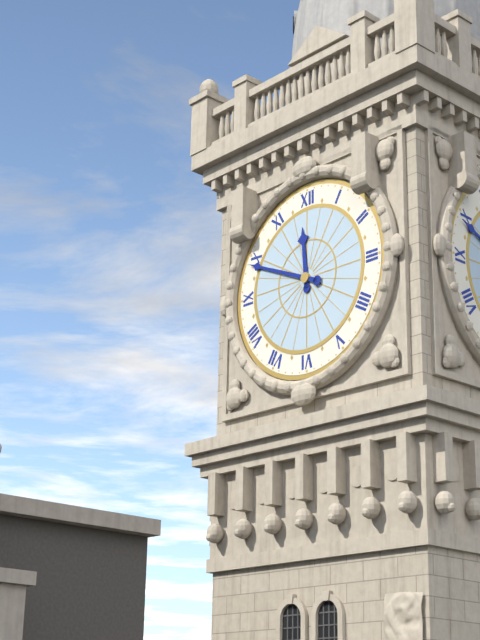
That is 11h49
